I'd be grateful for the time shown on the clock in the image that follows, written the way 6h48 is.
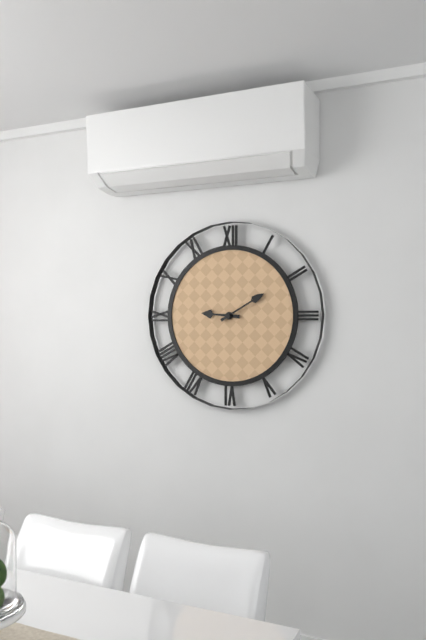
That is 9h10
